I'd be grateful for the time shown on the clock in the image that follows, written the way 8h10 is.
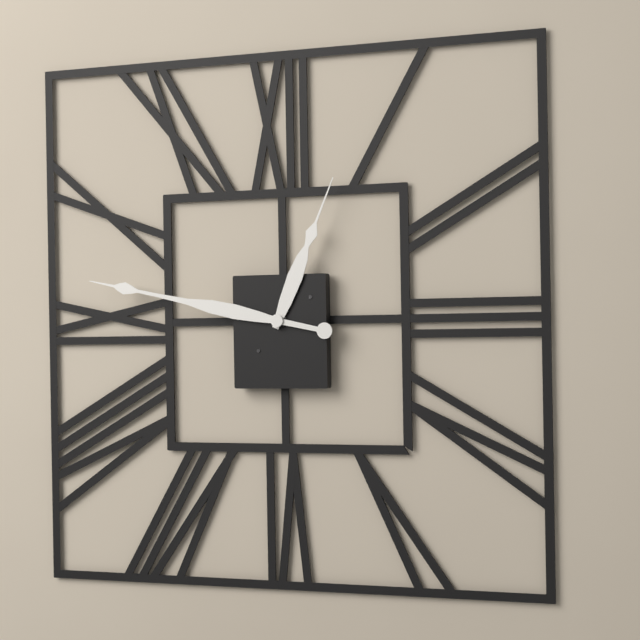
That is 12h47
